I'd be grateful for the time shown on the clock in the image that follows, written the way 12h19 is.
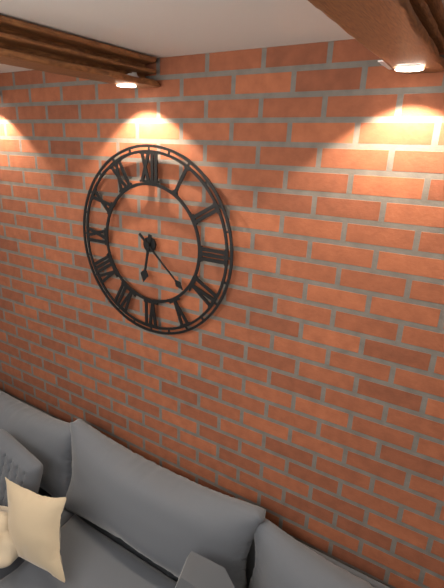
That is 6h22
